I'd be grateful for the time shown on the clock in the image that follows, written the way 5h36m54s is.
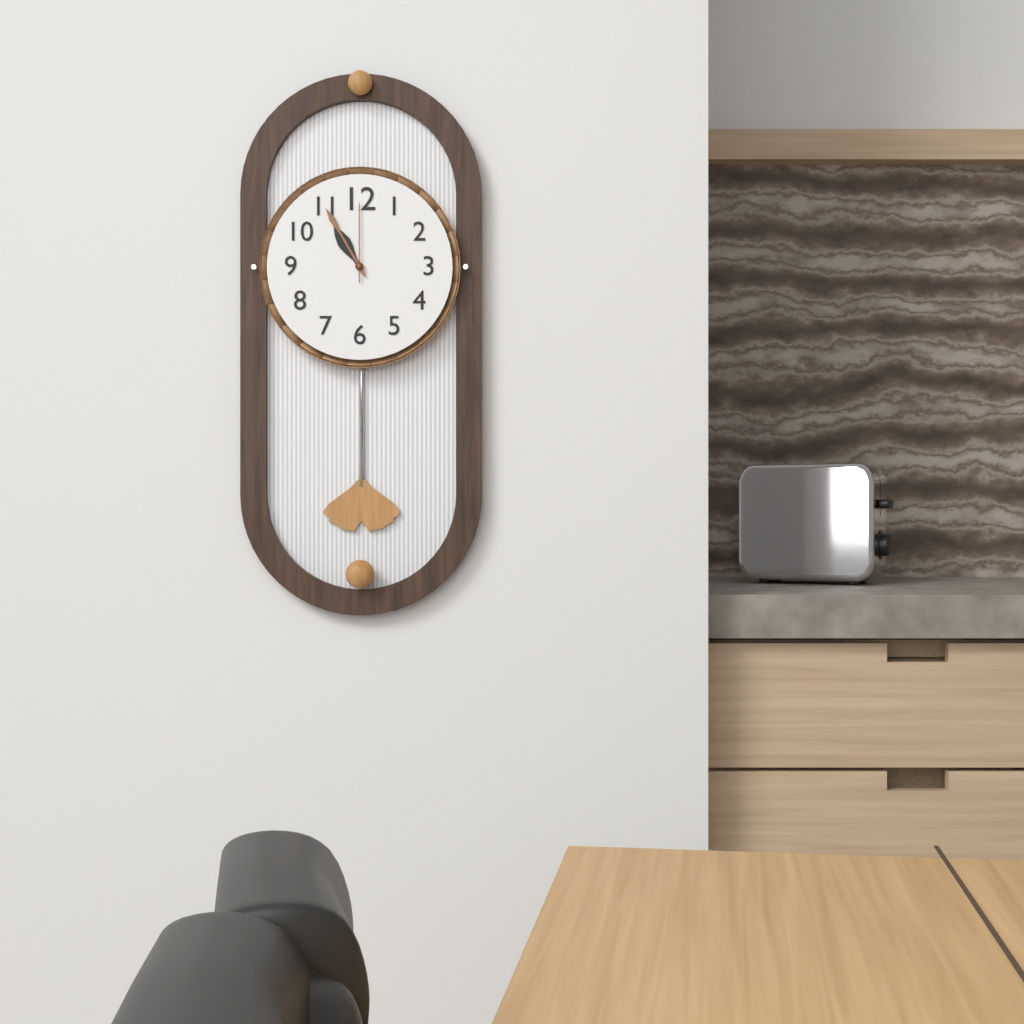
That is 10h55m00s
